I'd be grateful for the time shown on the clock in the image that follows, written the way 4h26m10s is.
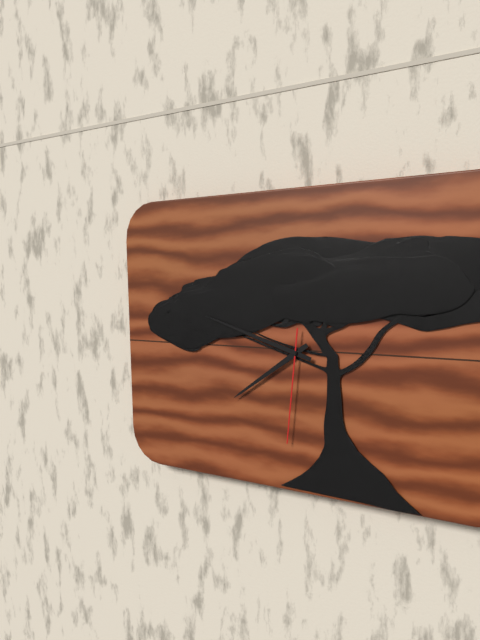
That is 7h48m31s
